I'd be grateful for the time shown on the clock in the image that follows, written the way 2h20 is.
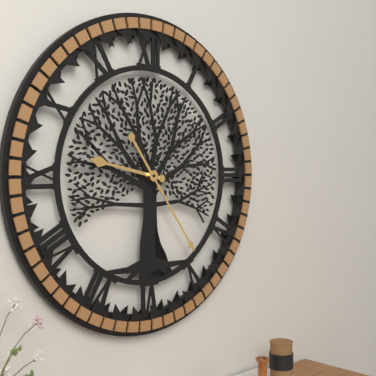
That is 9h24
